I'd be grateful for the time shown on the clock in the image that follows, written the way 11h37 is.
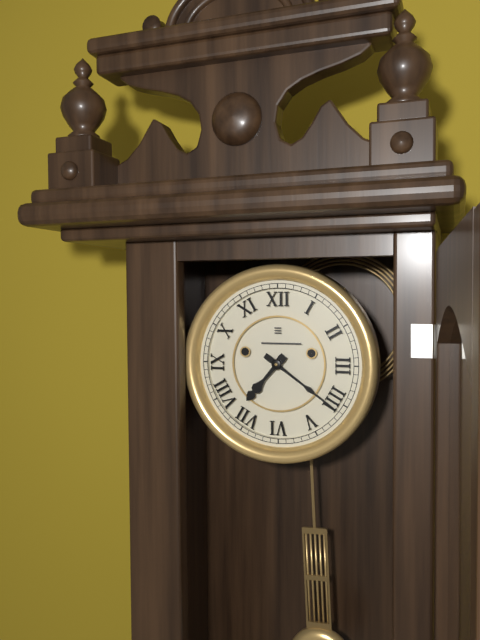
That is 7h21
